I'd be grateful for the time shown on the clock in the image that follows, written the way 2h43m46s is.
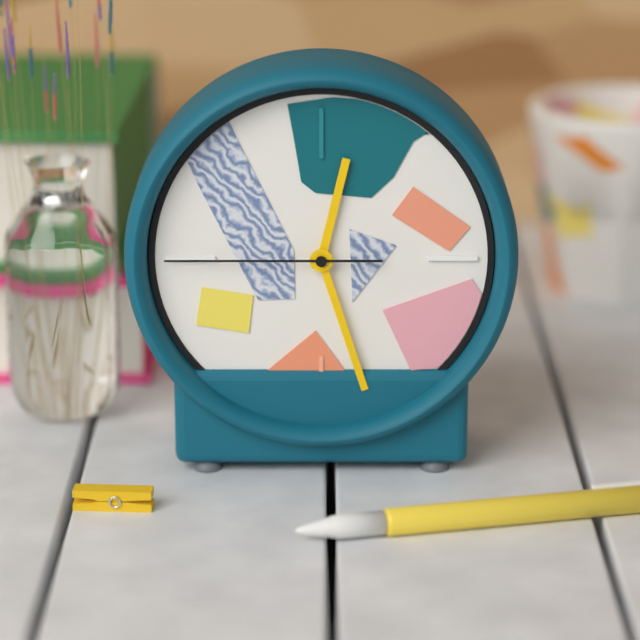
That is 12h27m45s
